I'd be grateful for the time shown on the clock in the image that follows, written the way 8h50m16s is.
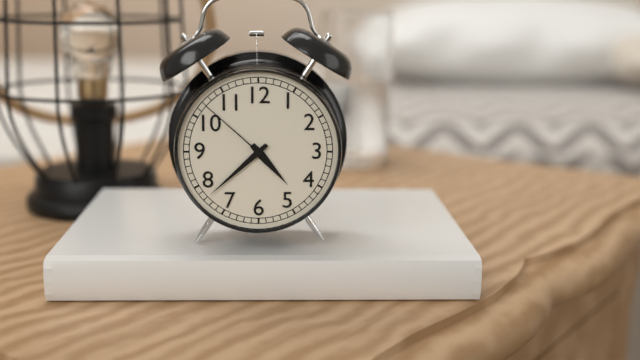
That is 4h38m52s
